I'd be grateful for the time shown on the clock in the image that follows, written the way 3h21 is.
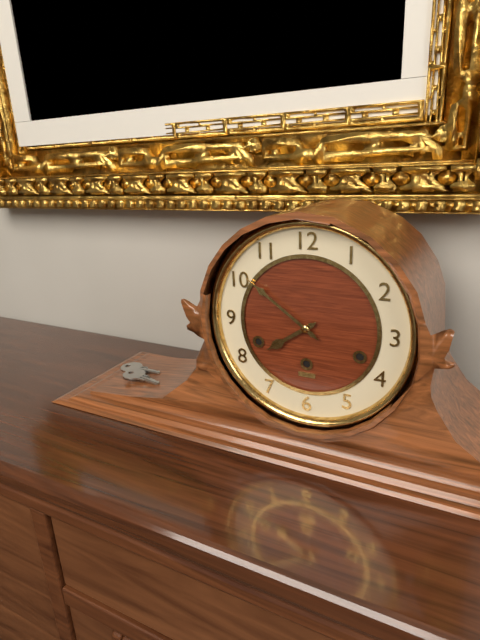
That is 7h51
